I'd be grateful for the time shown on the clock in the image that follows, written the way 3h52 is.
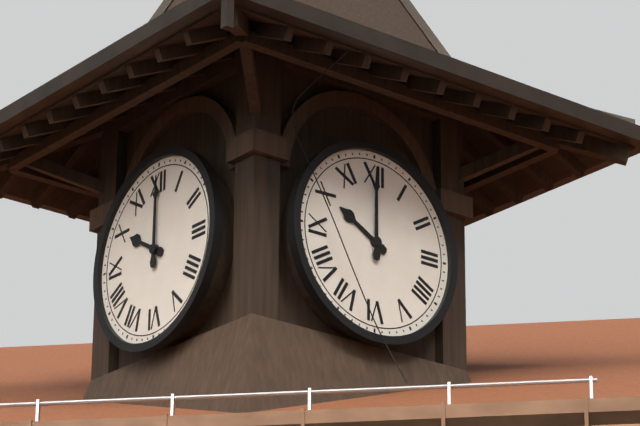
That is 10h00
